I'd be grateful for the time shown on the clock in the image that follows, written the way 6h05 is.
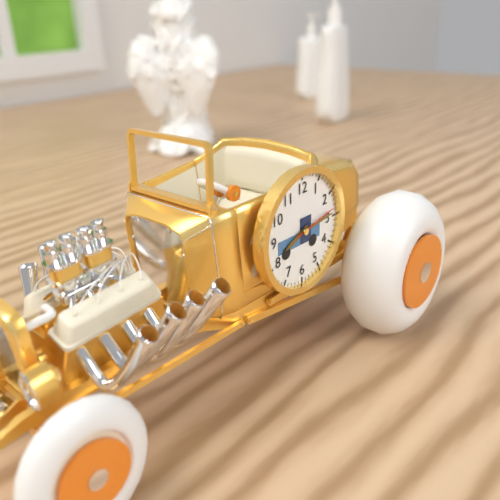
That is 8h14
